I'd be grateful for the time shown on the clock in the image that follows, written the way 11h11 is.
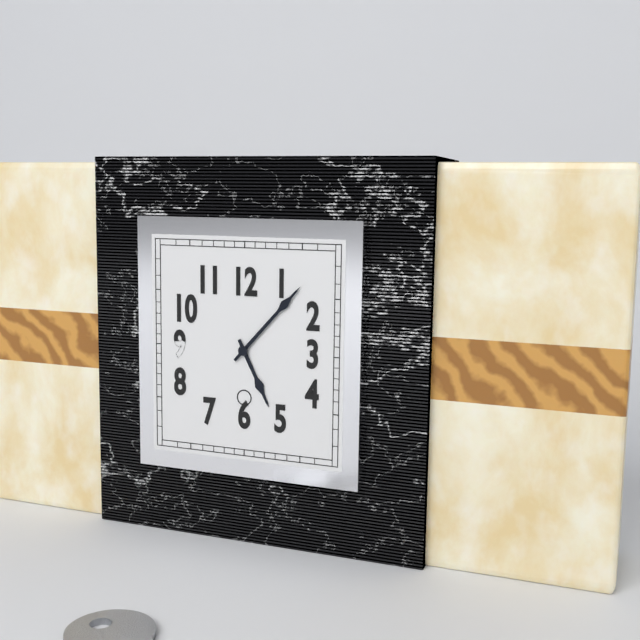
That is 5h07
